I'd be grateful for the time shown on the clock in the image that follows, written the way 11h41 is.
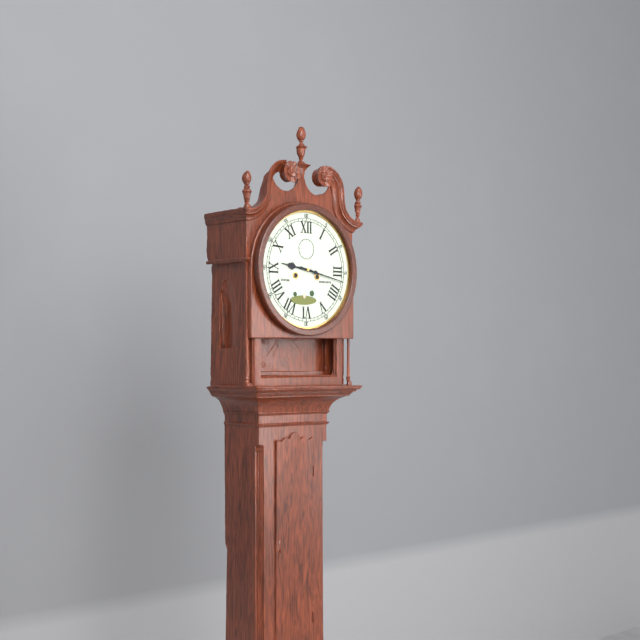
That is 9h17
